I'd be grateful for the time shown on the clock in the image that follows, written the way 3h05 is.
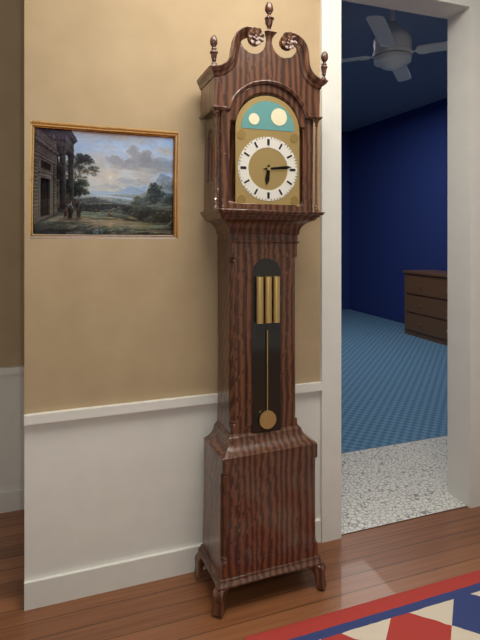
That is 6h14
